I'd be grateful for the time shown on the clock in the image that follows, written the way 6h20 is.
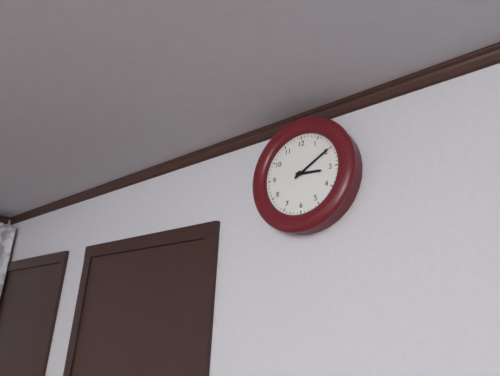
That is 3h10
